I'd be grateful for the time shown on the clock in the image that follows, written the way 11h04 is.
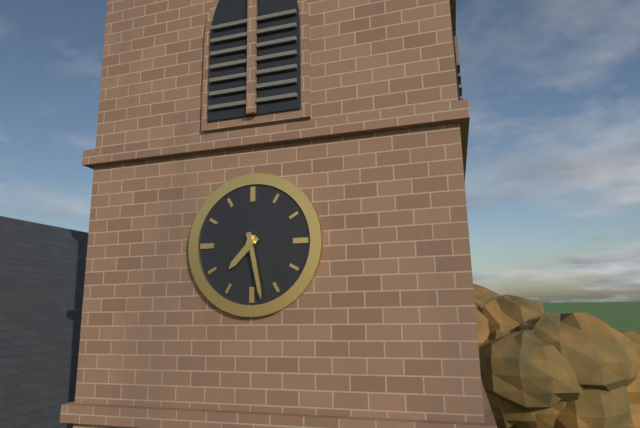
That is 7h28
